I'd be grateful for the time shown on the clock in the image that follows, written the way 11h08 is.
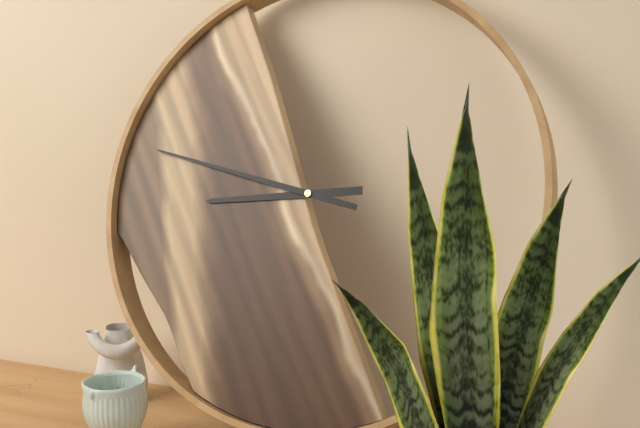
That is 8h47
